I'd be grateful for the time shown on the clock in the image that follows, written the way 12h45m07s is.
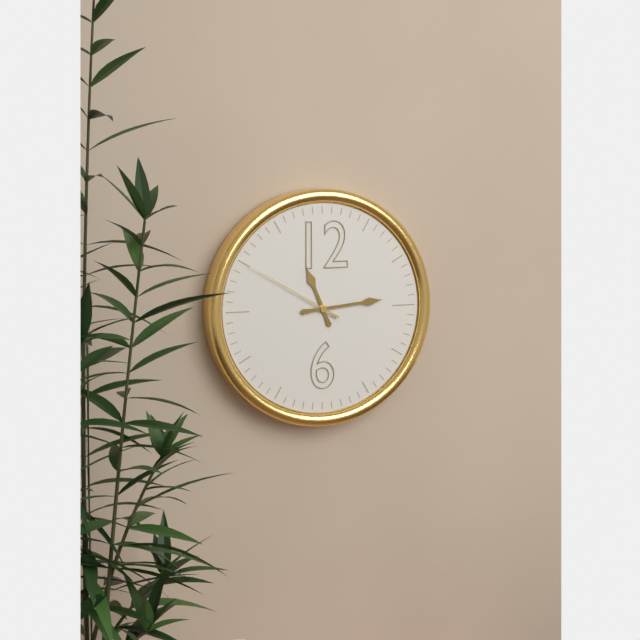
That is 11h14m50s
